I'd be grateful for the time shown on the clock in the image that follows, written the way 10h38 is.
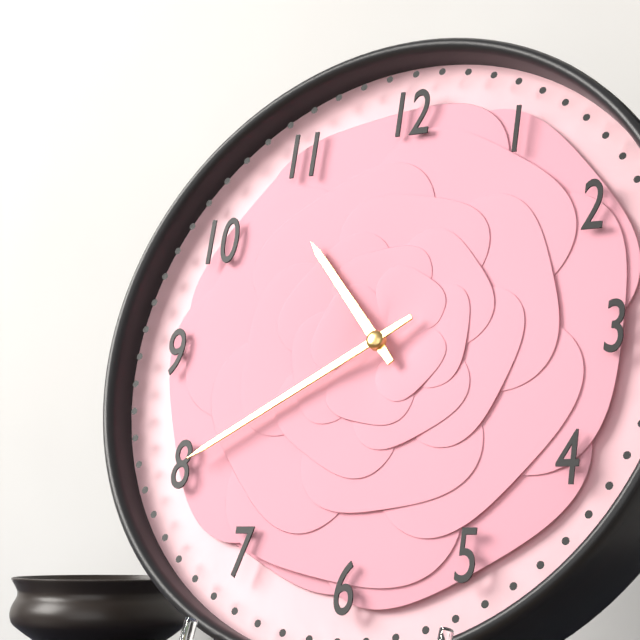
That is 10h40
